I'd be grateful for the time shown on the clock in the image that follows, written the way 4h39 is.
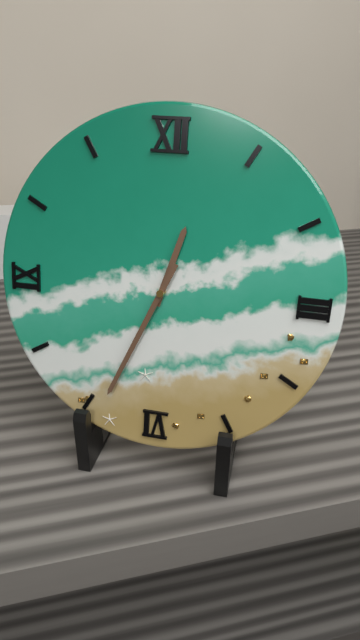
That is 12h34
